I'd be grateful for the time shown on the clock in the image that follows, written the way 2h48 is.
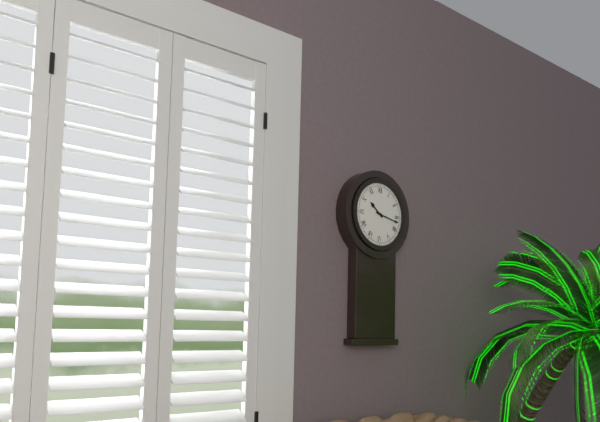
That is 10h17
